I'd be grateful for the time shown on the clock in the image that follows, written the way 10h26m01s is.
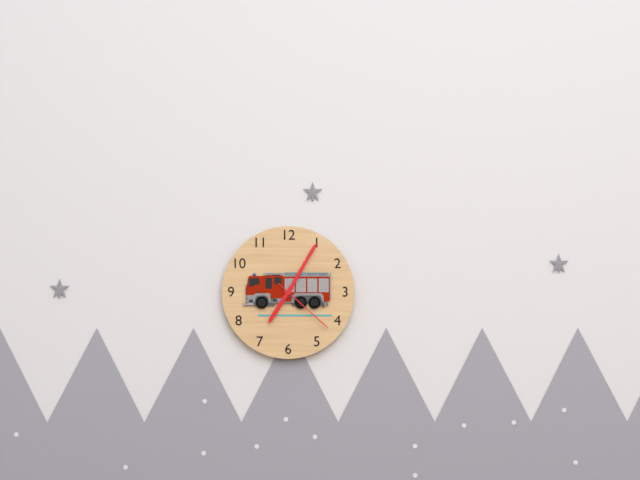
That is 7h05m22s
